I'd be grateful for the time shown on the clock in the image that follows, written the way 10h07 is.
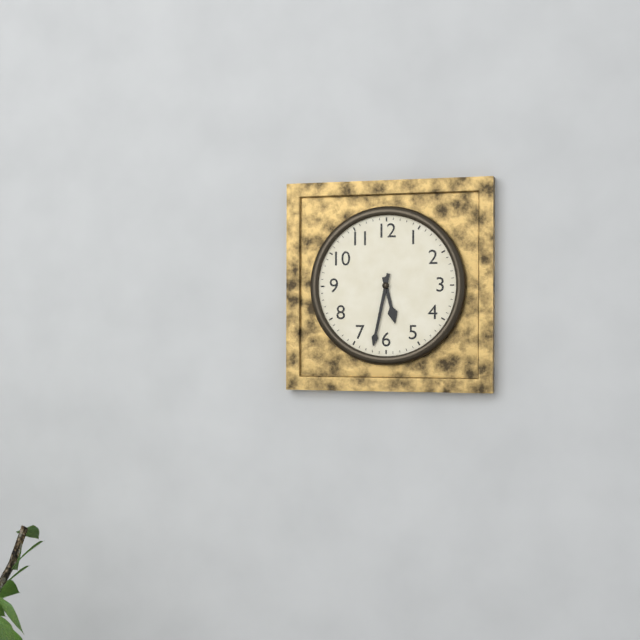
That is 5h32
